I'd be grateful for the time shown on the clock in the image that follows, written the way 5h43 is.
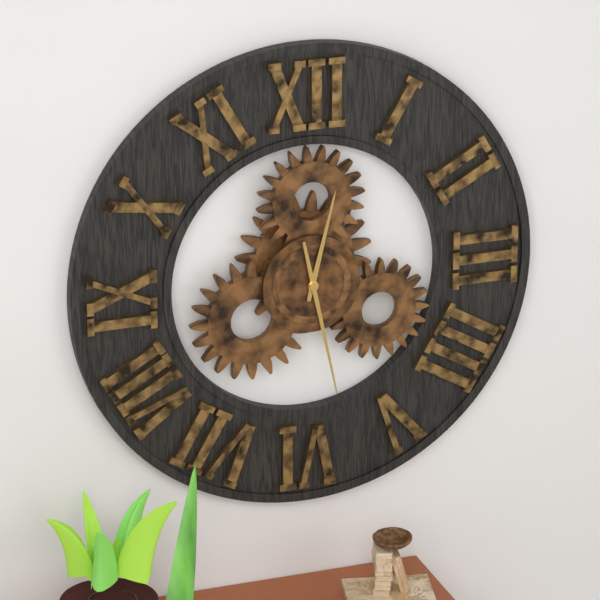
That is 12h28
